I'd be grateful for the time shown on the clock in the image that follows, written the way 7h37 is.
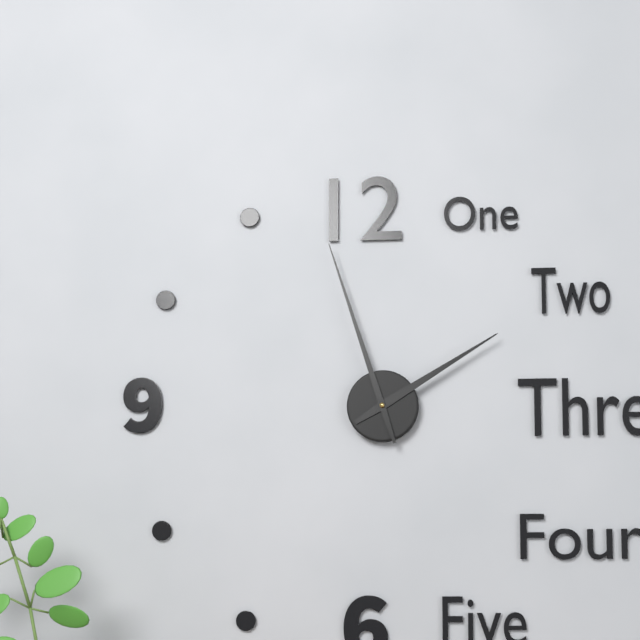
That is 1h57
